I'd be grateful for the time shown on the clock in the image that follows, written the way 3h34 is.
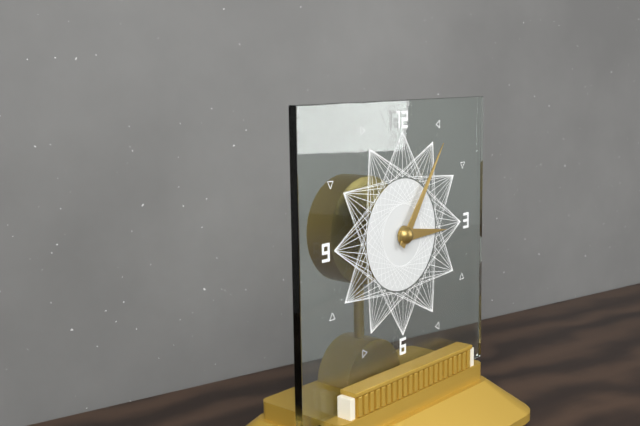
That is 3h06
